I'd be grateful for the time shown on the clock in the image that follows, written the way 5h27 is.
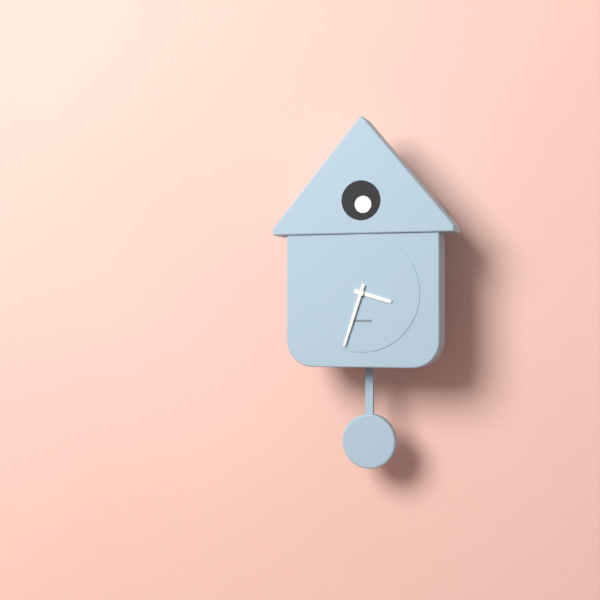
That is 3h33
